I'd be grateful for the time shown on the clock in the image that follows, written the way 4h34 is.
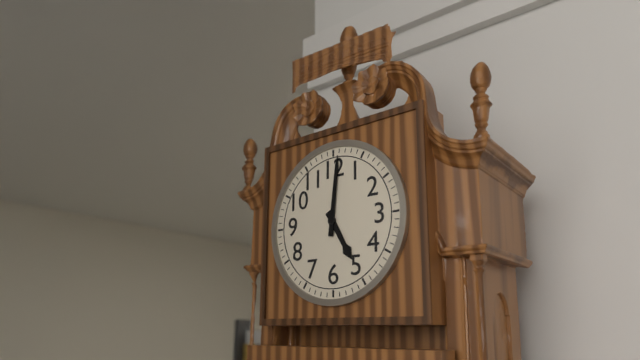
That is 5h01
